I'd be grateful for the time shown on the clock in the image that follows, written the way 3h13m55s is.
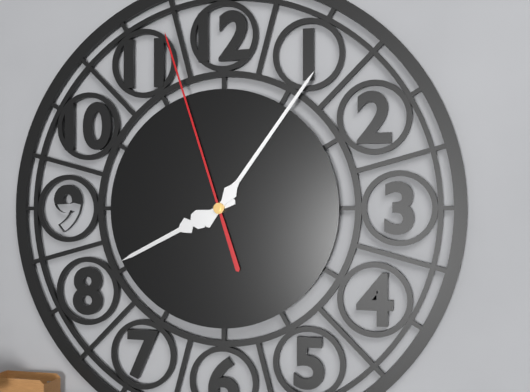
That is 8h06m57s
